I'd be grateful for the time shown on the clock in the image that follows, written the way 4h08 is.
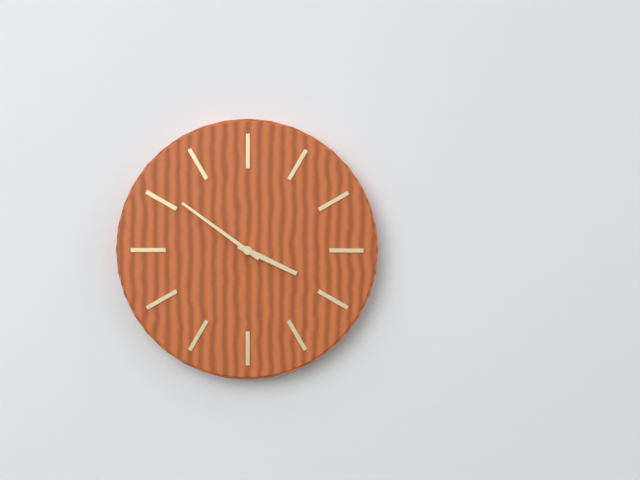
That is 3h51
